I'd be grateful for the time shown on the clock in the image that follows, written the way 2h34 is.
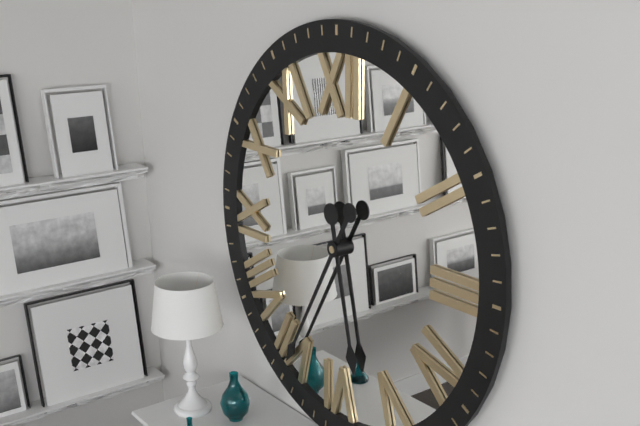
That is 5h35
